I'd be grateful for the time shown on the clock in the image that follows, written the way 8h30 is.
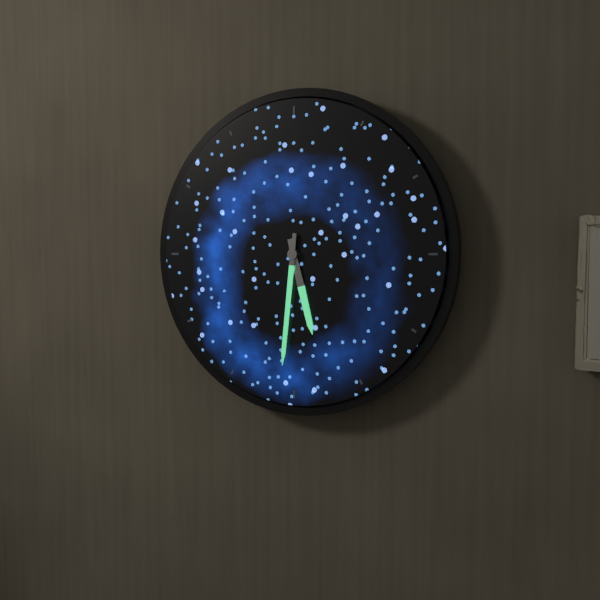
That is 5h31
